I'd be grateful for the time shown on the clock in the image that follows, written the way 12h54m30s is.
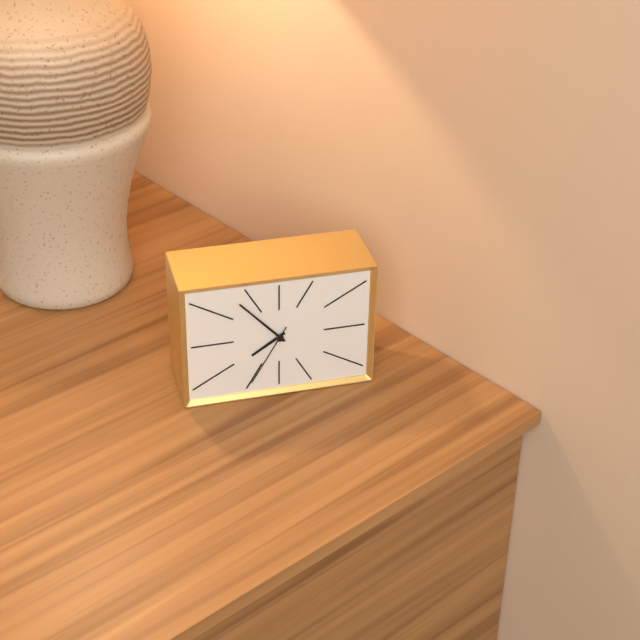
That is 7h53m35s
